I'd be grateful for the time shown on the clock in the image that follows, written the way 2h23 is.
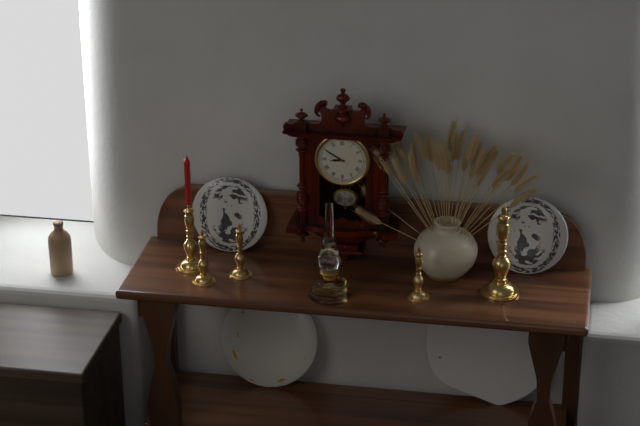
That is 8h50
